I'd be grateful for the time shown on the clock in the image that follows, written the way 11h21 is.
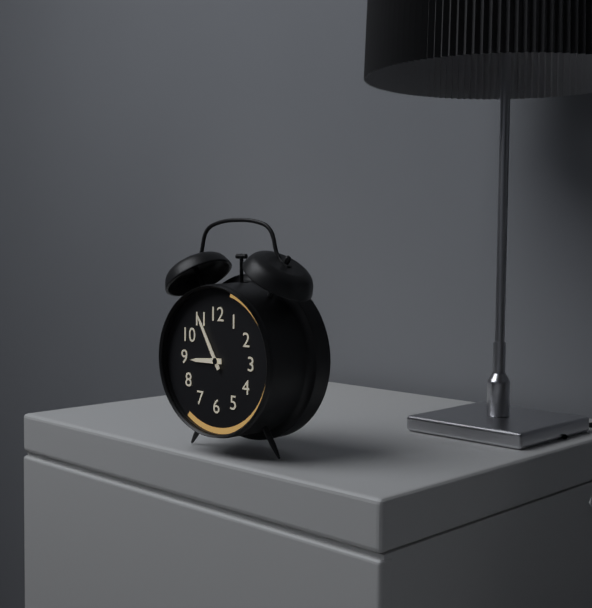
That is 8h55
